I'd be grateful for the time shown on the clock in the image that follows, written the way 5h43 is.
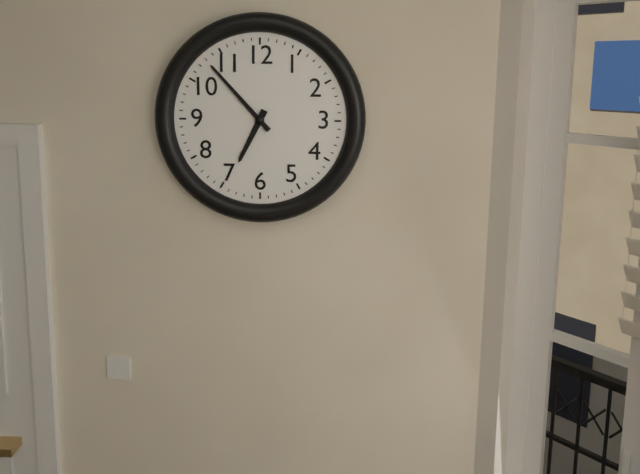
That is 6h53
